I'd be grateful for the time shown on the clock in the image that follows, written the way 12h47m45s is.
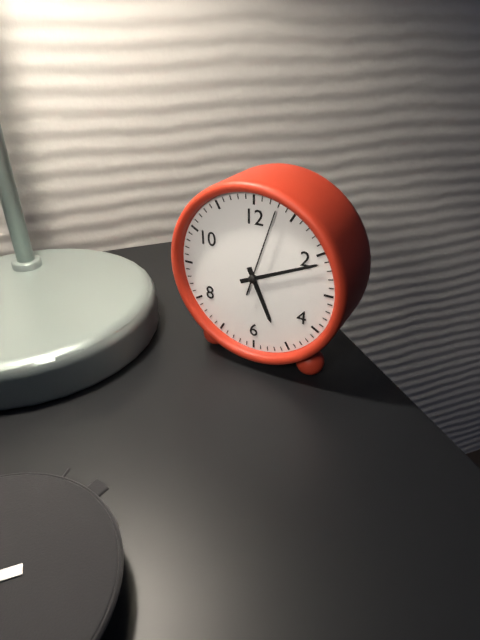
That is 5h11m03s
